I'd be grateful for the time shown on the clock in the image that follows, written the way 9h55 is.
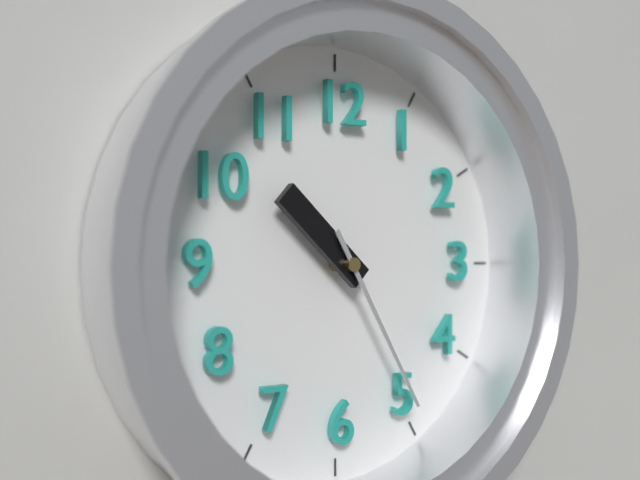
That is 10h25
